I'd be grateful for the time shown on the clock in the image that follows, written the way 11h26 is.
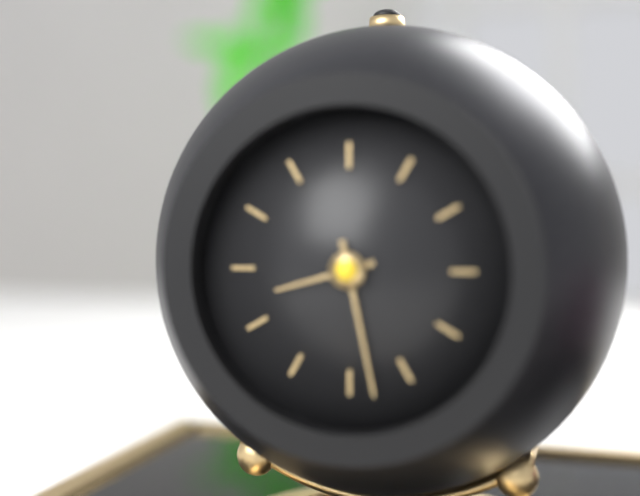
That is 8h28
